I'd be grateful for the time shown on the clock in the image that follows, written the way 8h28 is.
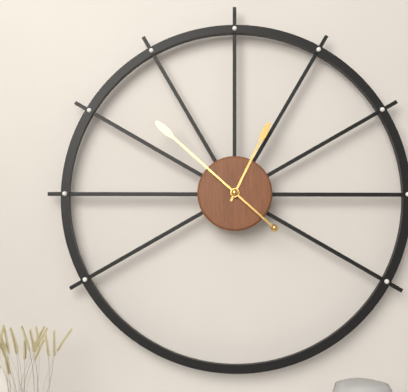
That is 12h52
